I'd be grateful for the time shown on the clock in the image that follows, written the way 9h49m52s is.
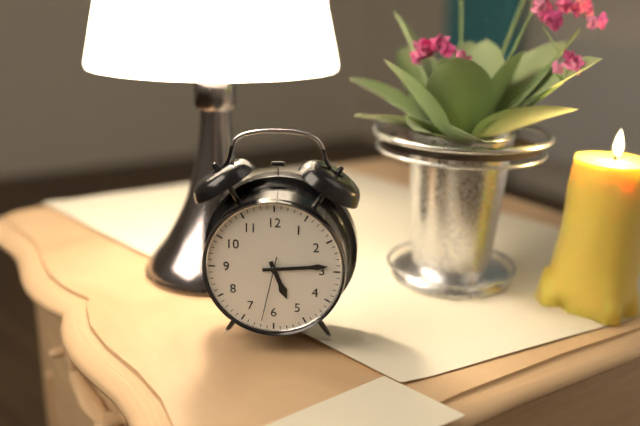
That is 5h14m32s
